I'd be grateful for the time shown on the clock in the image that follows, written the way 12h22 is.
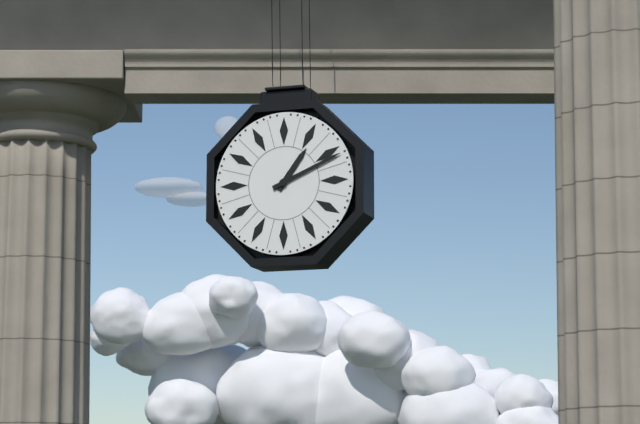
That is 1h11
